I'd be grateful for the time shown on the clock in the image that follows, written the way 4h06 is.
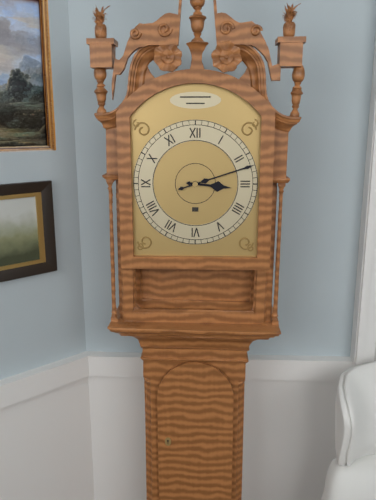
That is 3h12
